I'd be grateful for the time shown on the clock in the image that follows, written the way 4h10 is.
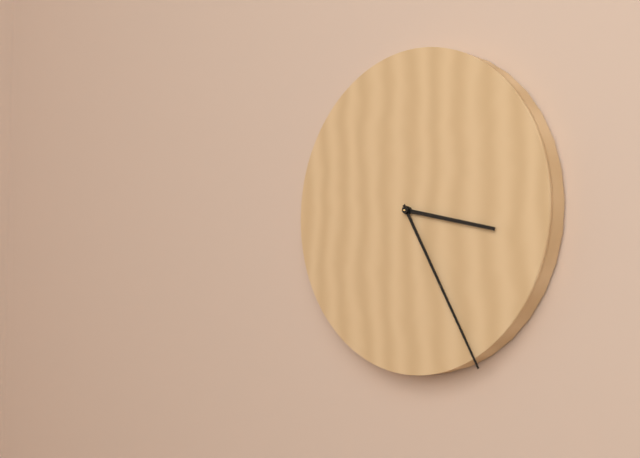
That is 3h25
